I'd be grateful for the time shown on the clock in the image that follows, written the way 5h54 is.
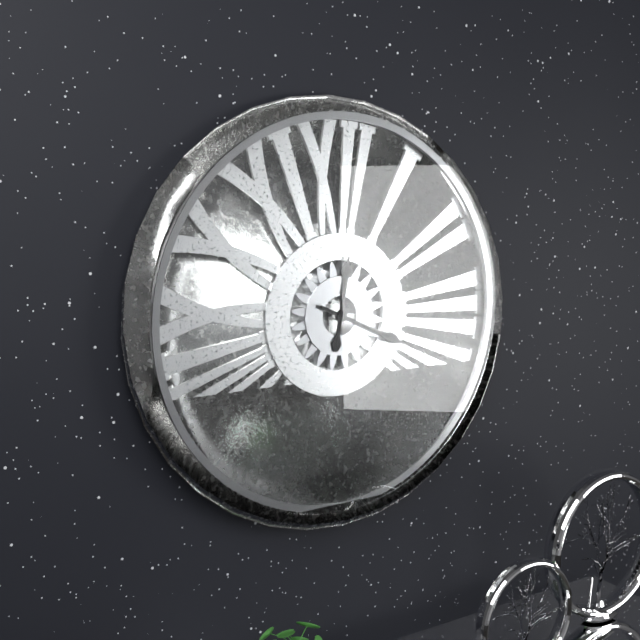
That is 12h19
